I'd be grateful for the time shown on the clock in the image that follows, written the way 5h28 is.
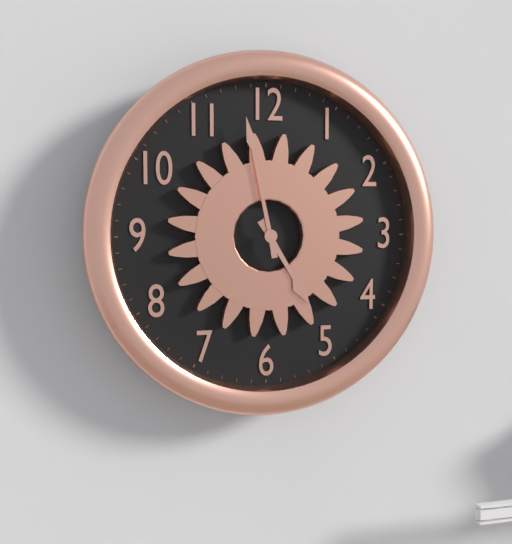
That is 4h58
